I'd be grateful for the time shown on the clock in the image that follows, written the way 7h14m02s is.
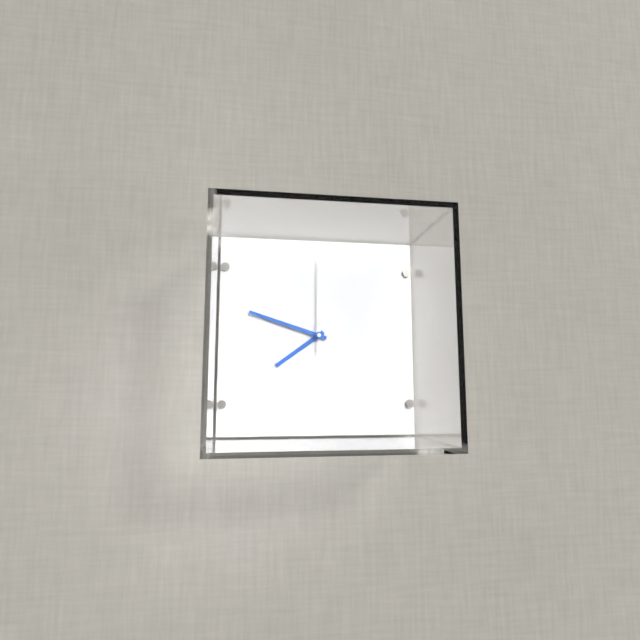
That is 7h48m00s
